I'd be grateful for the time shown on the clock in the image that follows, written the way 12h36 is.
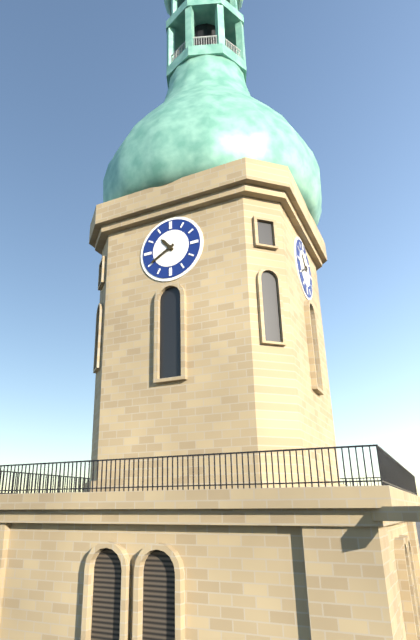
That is 10h40
